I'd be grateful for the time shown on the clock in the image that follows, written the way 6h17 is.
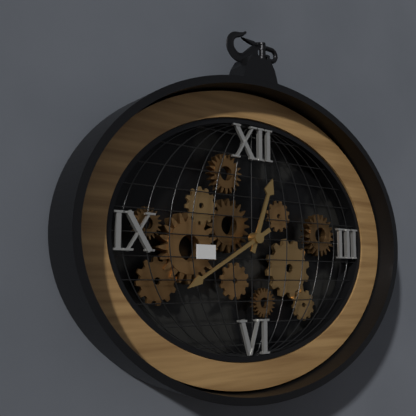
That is 12h40
